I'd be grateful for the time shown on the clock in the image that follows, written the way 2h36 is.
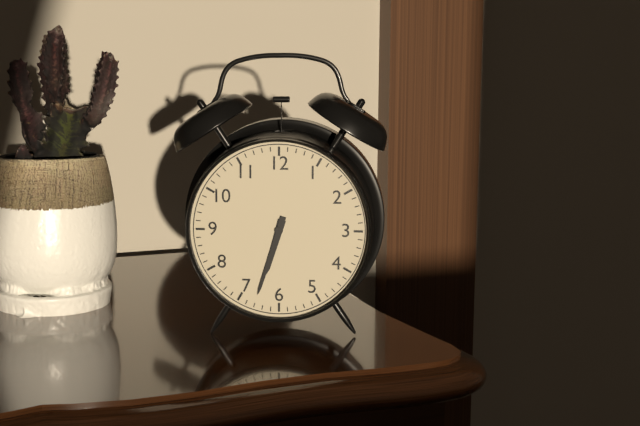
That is 6h33
